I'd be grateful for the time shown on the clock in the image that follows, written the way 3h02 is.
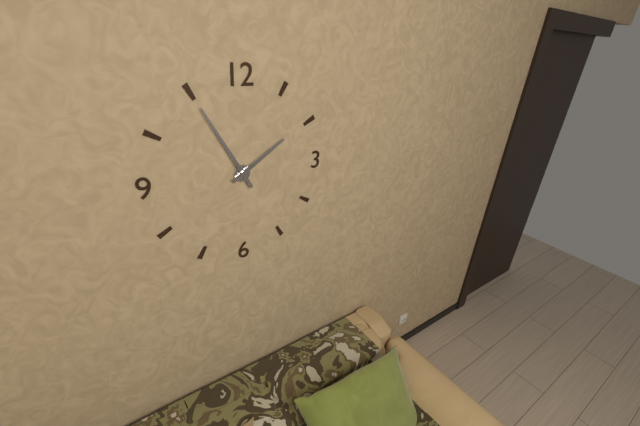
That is 1h55
